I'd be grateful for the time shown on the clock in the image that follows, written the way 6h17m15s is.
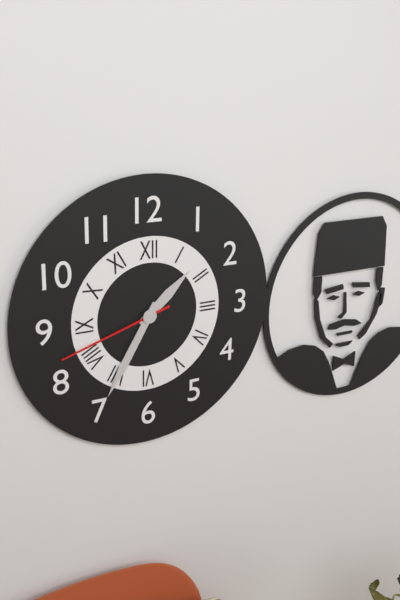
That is 1h35m42s
